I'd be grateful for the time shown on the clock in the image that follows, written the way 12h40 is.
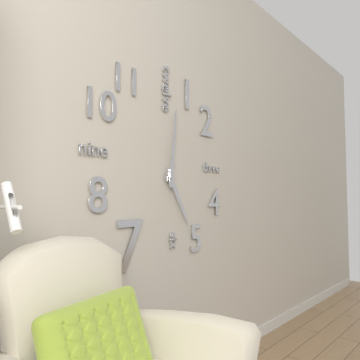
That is 5h01
